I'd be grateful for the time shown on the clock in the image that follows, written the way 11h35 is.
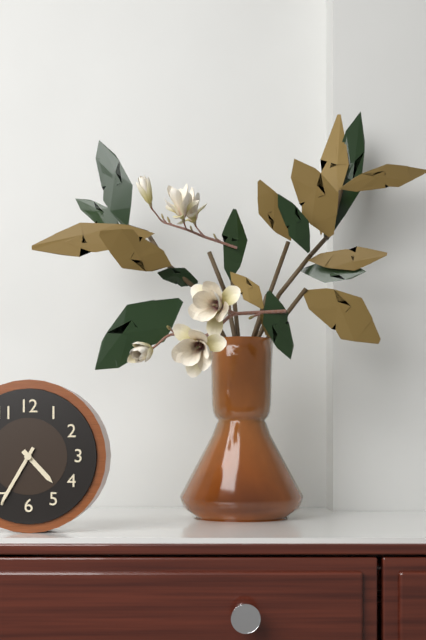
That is 4h35
